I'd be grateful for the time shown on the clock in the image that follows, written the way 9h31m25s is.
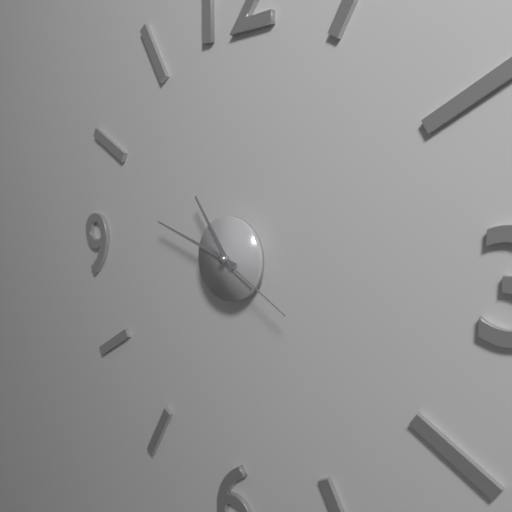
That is 10h48m20s
